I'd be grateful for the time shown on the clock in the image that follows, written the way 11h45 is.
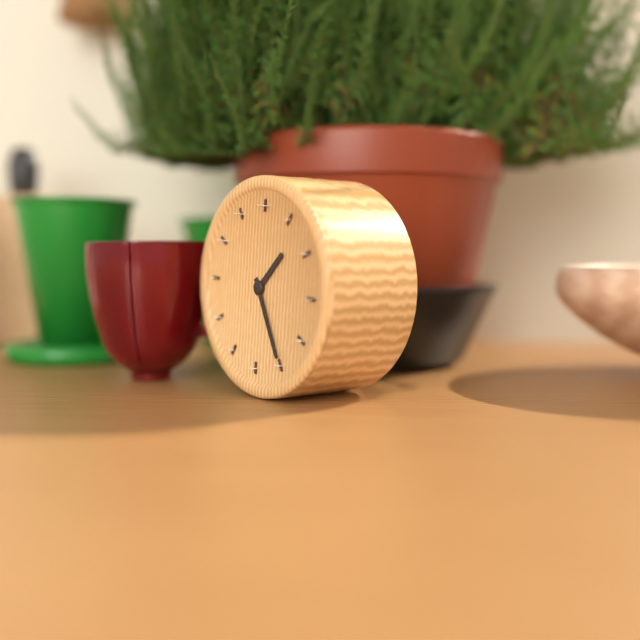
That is 1h25
